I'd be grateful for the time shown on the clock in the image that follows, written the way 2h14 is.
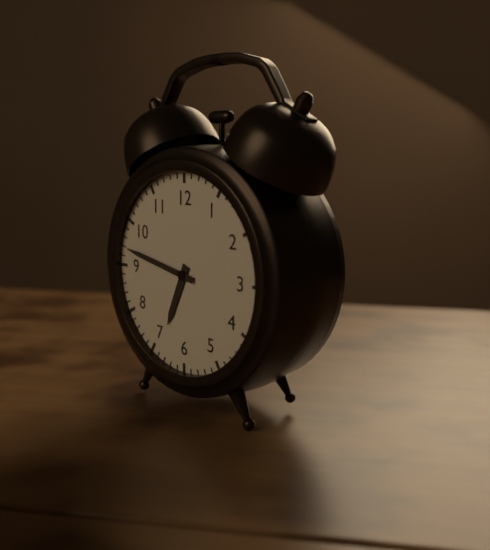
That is 6h47
